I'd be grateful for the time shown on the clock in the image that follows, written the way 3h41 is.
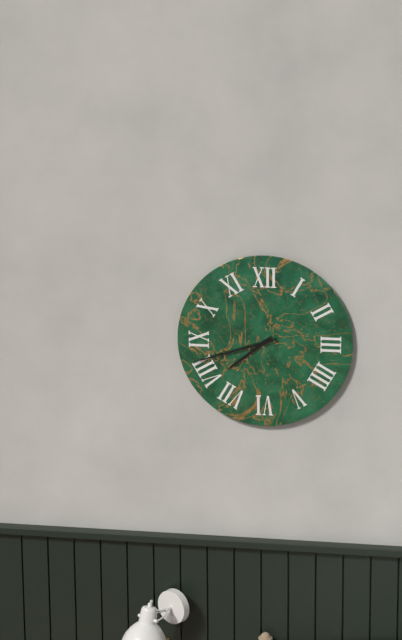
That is 7h42
